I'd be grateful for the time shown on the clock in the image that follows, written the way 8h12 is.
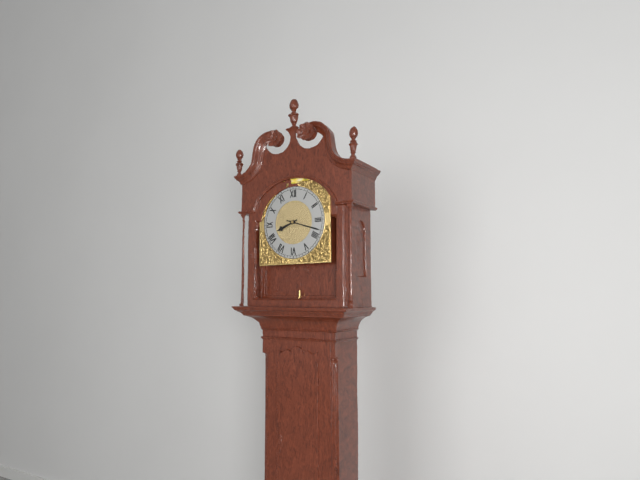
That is 8h18
